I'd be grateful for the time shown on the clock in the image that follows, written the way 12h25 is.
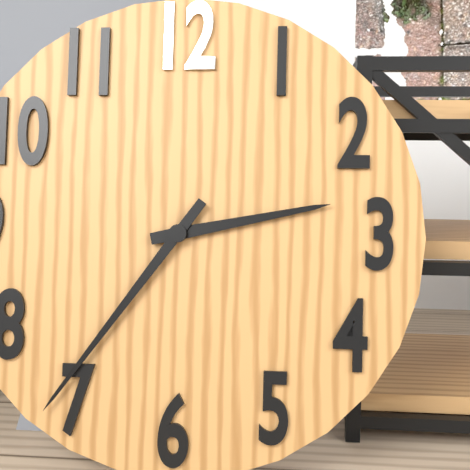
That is 2h36
